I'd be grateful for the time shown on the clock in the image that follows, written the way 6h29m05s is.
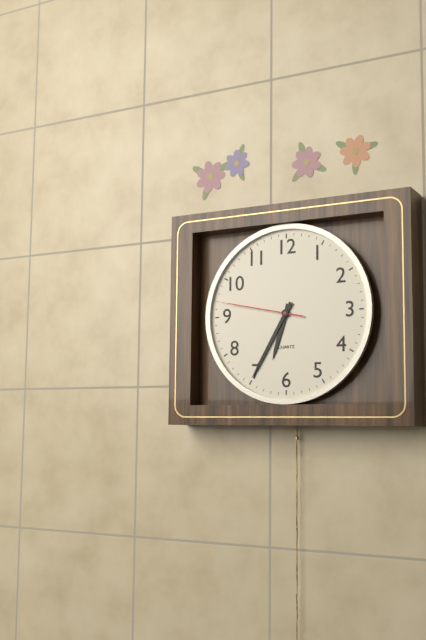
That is 6h35m47s
